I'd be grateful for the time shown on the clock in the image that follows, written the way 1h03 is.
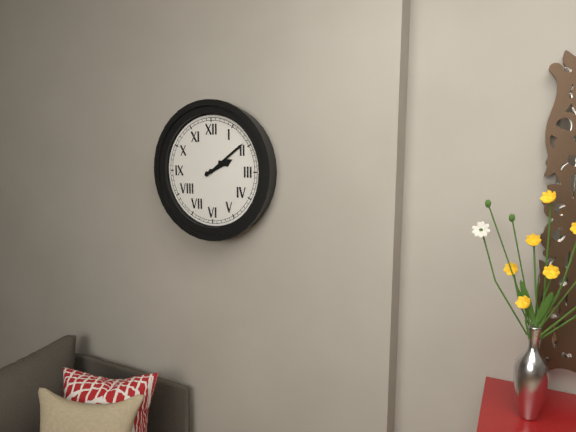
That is 2h09
